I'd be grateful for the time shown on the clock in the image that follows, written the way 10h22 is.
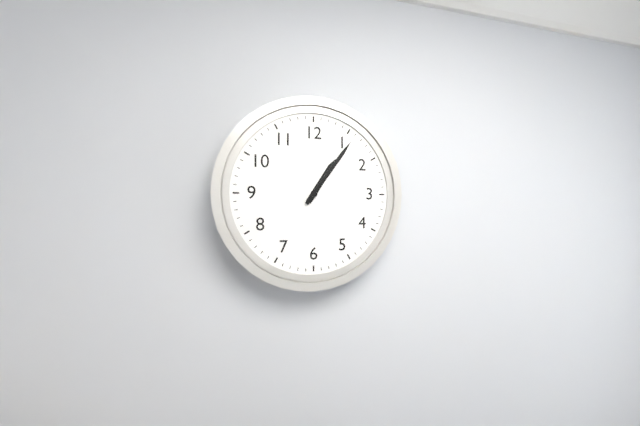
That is 1h06
